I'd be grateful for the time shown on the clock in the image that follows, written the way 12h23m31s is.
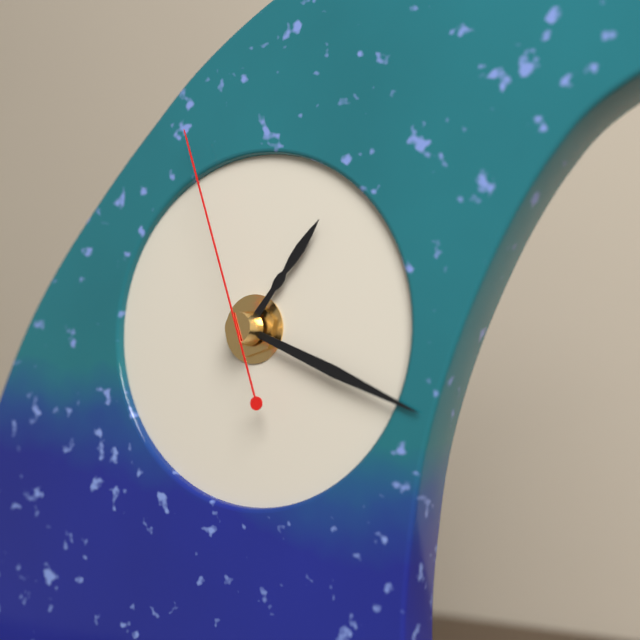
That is 1h19m57s
